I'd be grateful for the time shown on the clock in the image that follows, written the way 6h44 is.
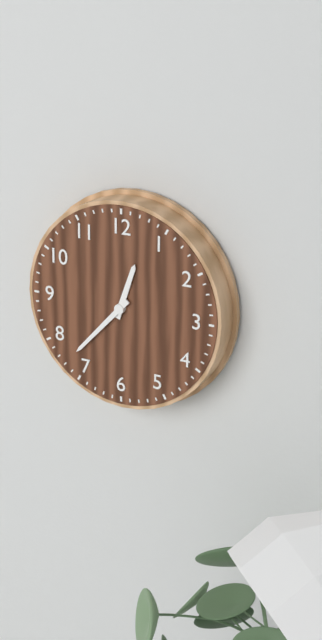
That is 12h37
